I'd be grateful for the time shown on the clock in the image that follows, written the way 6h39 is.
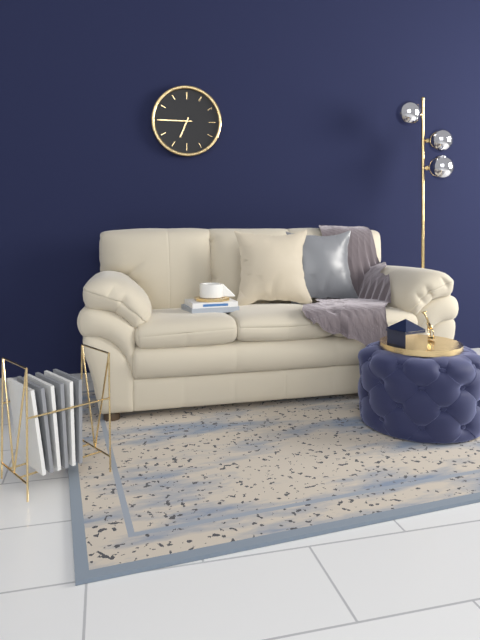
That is 6h45
